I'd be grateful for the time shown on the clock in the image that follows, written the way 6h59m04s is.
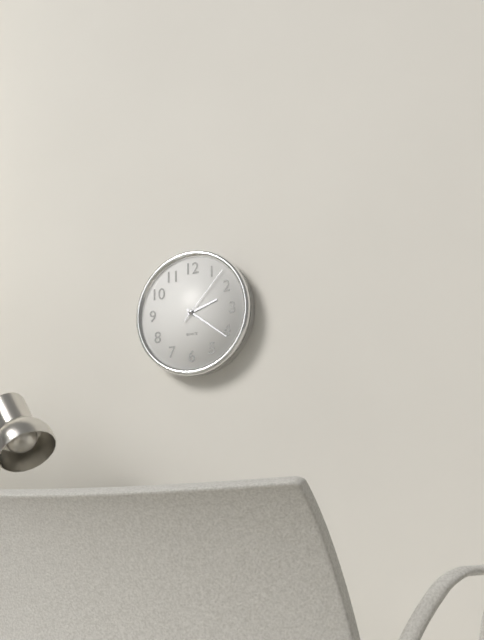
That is 2h21m07s
